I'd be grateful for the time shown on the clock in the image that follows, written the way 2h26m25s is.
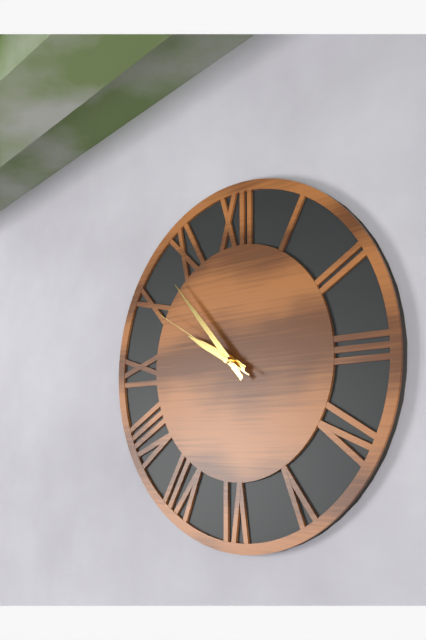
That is 9h53m50s
